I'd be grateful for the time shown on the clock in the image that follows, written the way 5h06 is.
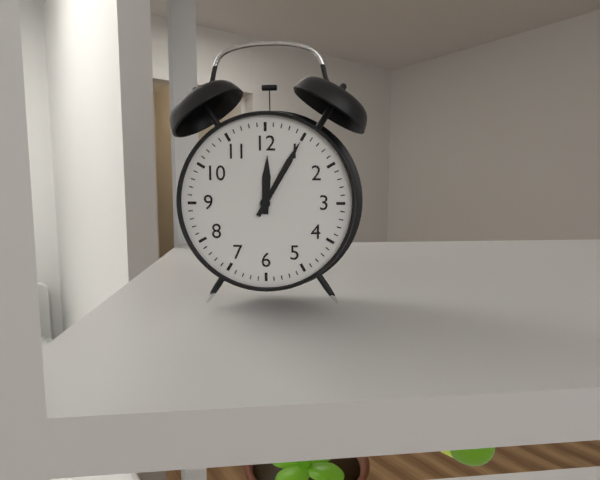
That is 12h05
